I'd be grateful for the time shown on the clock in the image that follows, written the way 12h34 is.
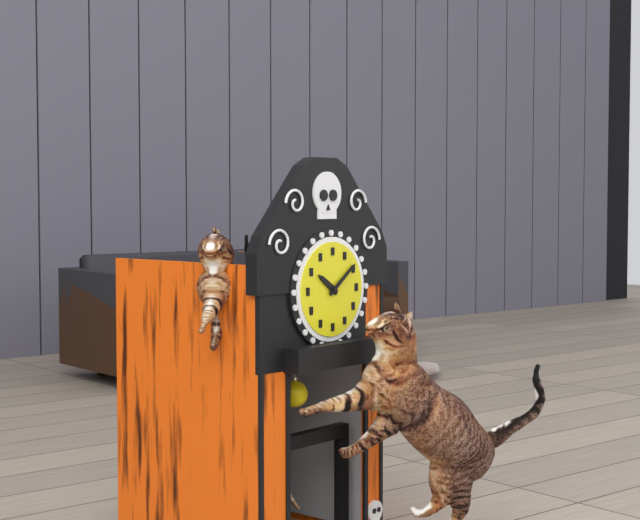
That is 10h09
